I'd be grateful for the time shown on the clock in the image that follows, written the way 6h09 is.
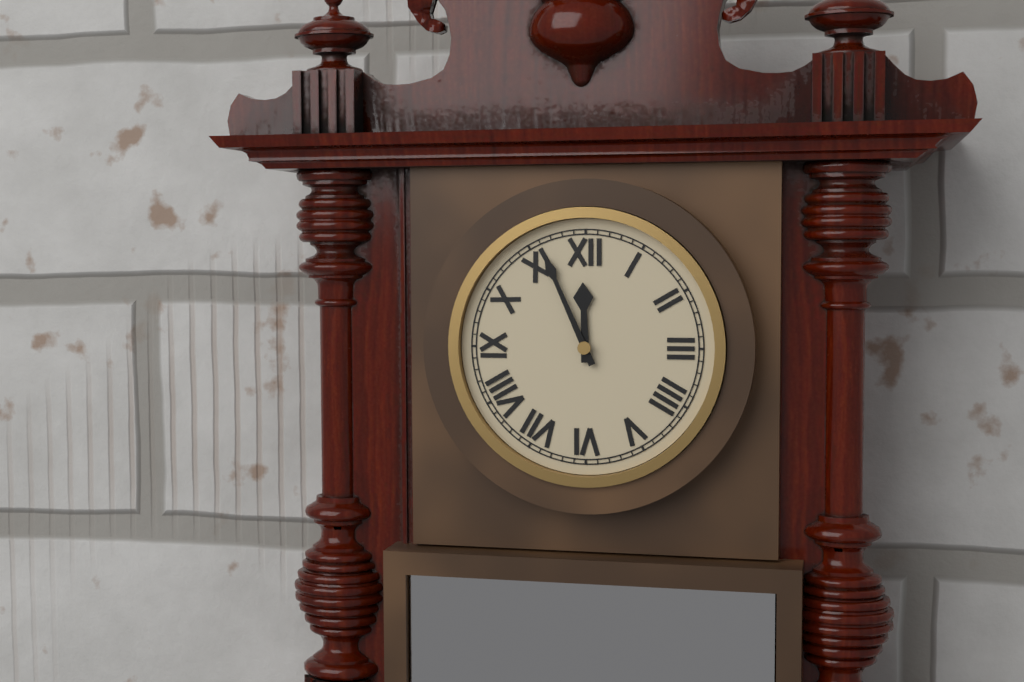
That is 11h56
